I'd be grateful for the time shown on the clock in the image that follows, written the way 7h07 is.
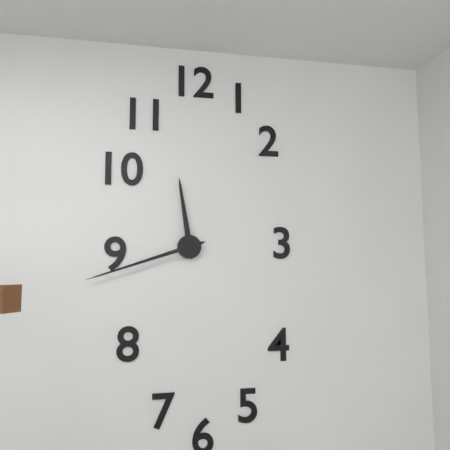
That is 11h42
